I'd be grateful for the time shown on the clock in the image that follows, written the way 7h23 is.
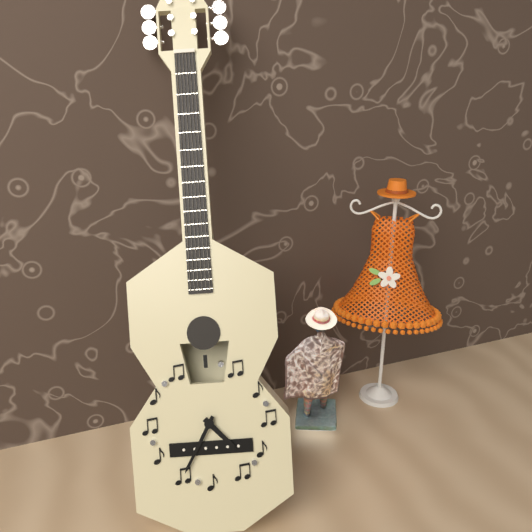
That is 4h35
